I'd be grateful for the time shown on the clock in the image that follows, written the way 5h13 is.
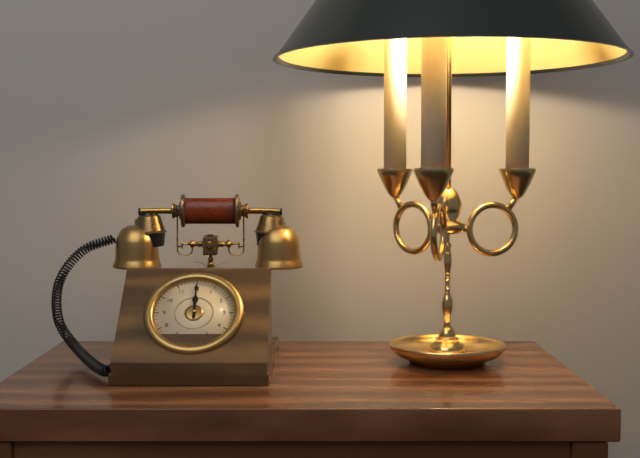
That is 12h00
